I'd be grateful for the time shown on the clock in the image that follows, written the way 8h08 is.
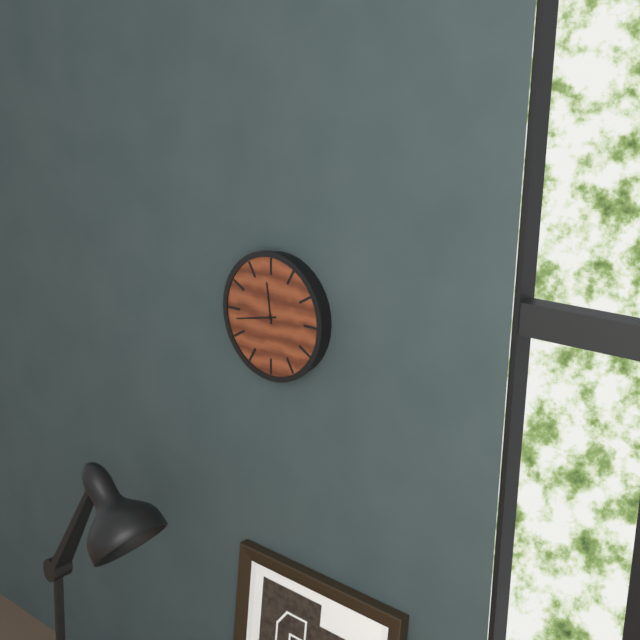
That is 11h43
